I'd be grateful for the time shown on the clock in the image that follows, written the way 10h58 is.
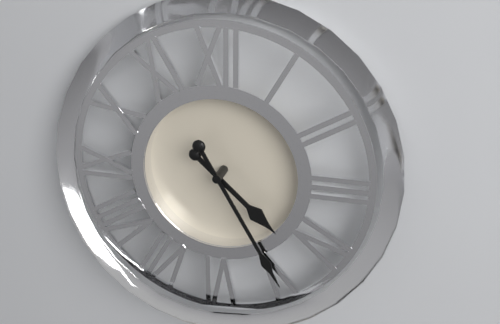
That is 4h25
